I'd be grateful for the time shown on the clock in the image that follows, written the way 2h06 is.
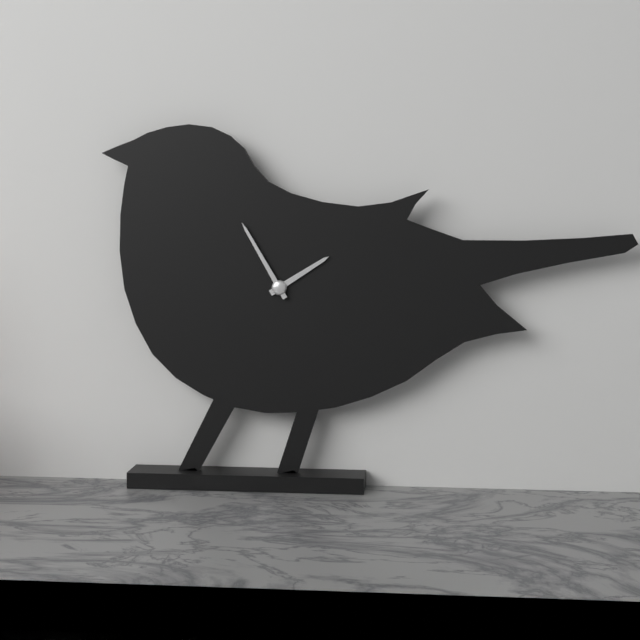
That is 1h55
